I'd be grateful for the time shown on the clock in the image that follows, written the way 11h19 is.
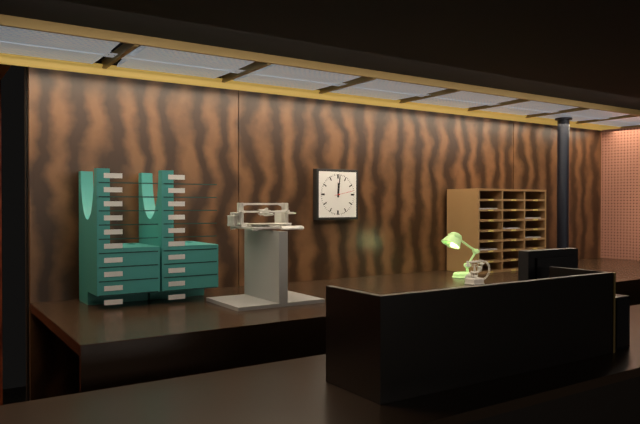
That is 12h01
